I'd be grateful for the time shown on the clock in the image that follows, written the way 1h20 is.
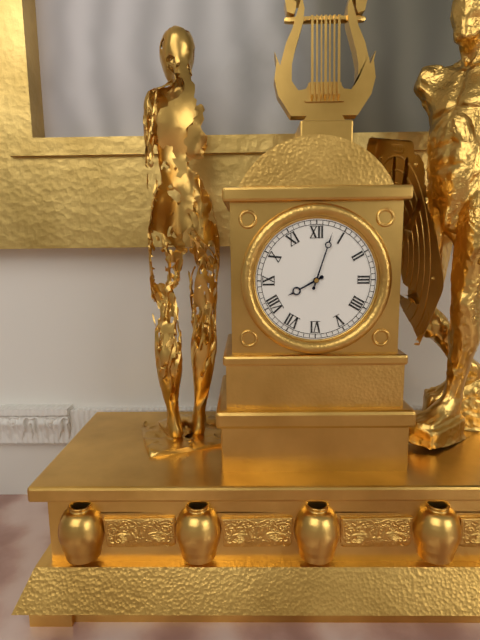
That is 8h03
